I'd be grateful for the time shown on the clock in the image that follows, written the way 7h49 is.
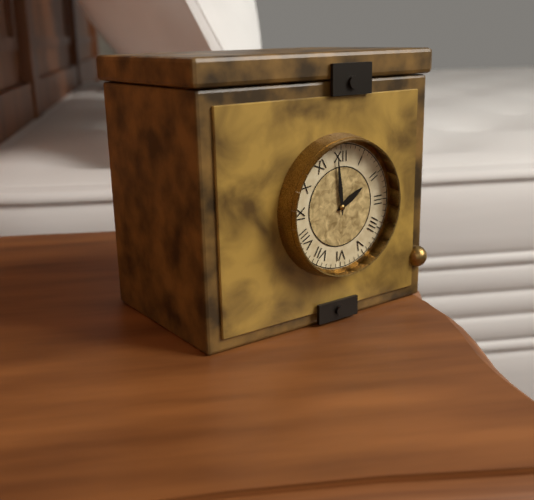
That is 1h59
